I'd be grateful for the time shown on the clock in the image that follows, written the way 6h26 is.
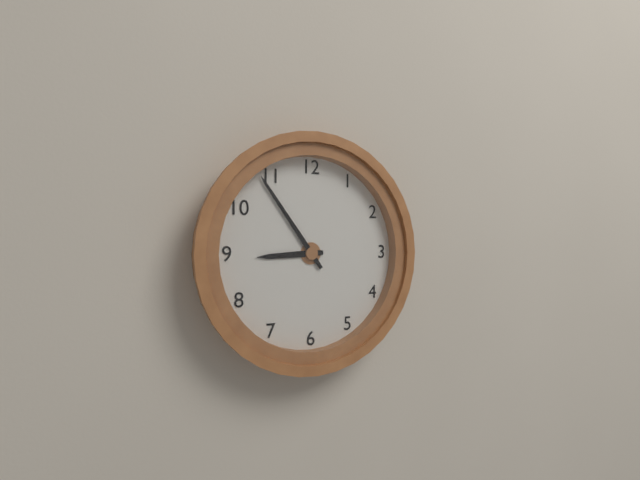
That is 8h54
